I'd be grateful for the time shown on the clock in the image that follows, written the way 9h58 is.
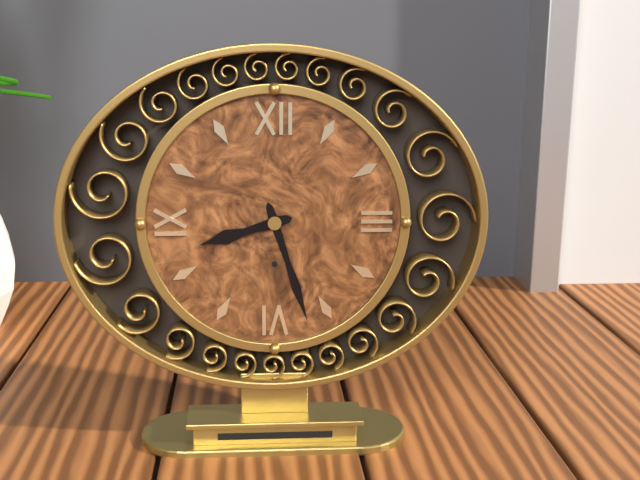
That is 8h27
